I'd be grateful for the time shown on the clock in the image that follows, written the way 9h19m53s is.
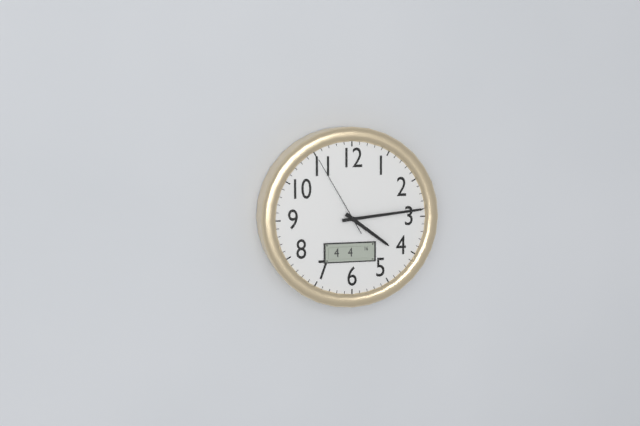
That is 4h14m55s
